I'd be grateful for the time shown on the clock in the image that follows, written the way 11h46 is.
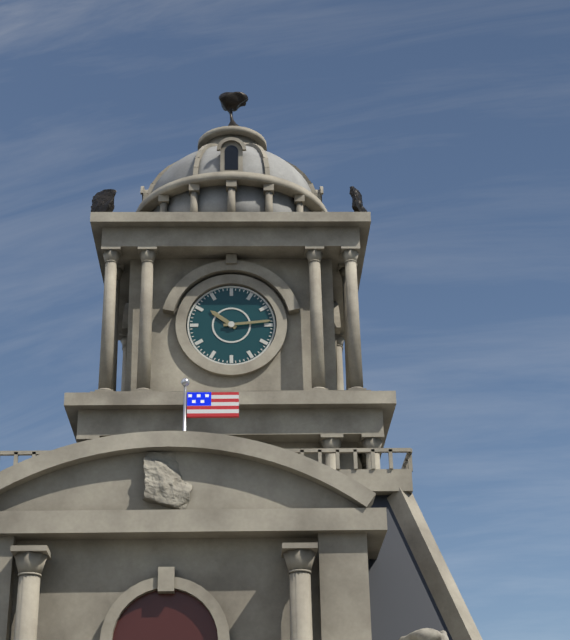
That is 10h14
